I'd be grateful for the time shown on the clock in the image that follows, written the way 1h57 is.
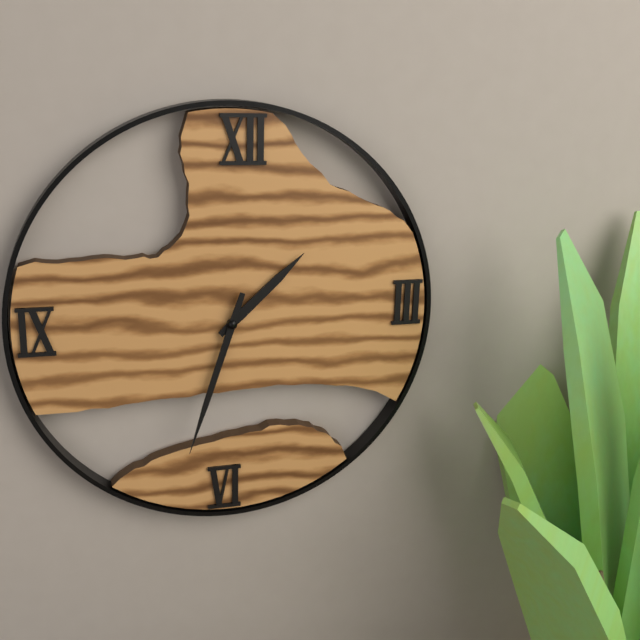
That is 1h33
